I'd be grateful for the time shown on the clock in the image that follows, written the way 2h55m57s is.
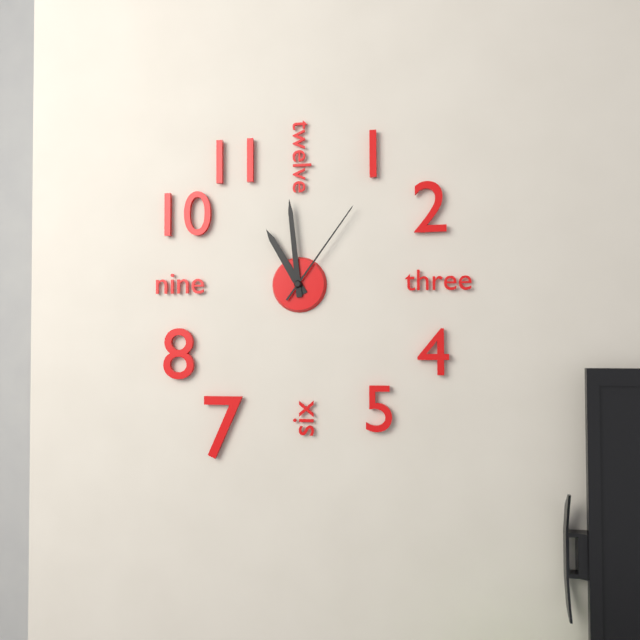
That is 10h59m06s
